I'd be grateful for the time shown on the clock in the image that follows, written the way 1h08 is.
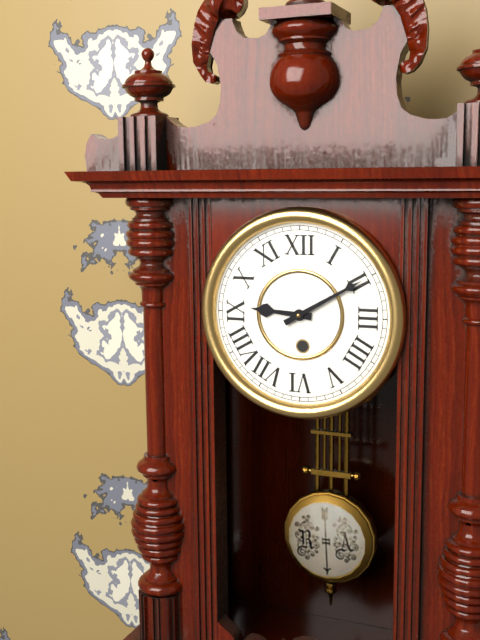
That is 9h10
